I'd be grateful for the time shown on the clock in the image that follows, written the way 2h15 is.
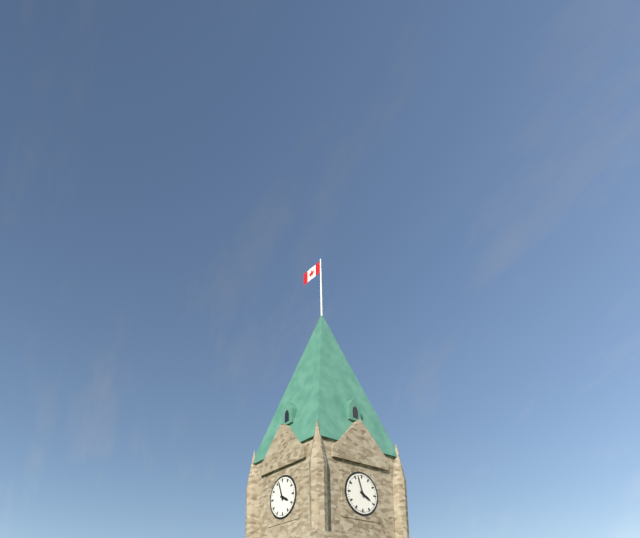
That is 3h57
